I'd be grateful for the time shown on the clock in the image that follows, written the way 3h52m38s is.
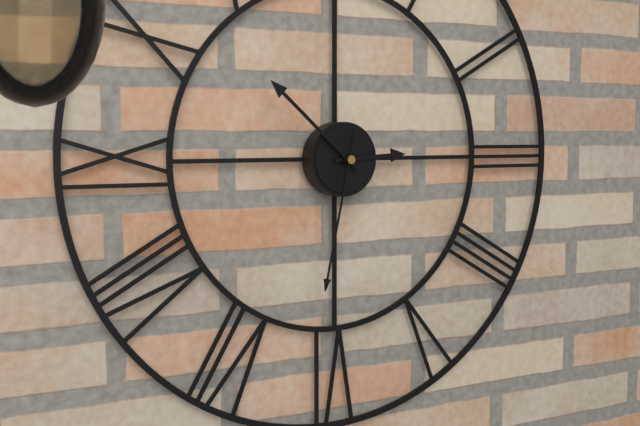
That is 2h52m32s
